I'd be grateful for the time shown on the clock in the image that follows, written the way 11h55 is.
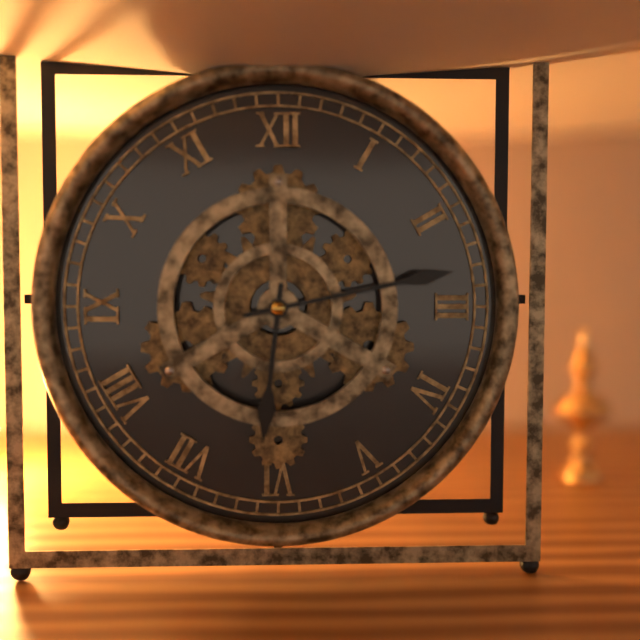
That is 6h13
